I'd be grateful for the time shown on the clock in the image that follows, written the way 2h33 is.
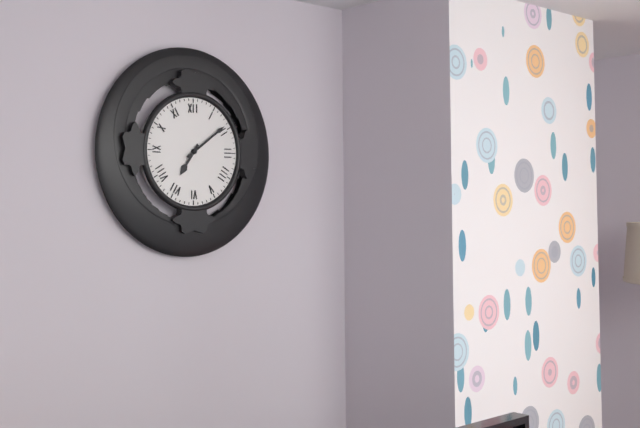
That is 7h09
